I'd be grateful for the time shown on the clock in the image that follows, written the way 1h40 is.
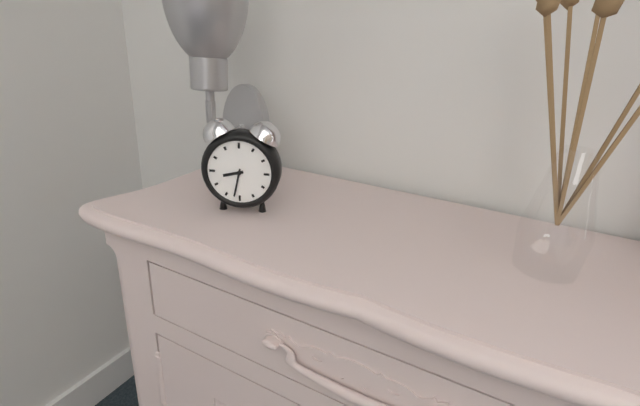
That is 8h32
